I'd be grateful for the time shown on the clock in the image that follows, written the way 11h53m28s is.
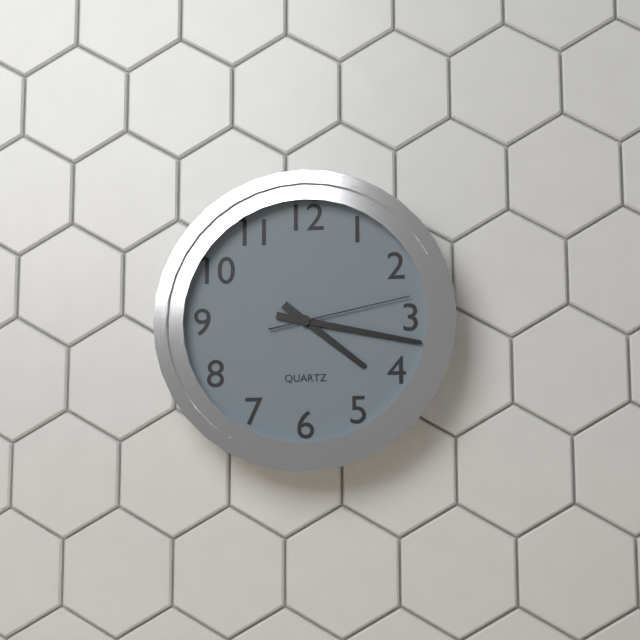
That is 4h17m13s
